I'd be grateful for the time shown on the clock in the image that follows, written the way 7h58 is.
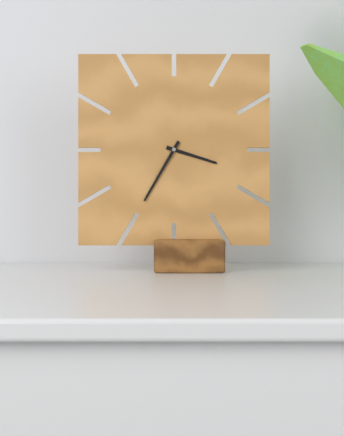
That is 3h35
